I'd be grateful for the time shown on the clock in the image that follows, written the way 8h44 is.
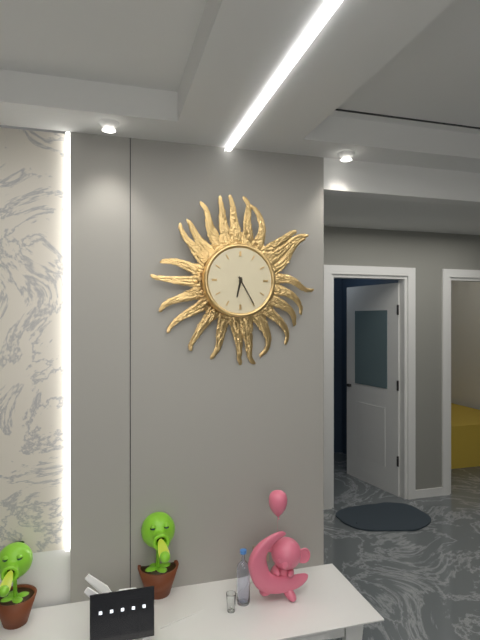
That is 6h25
